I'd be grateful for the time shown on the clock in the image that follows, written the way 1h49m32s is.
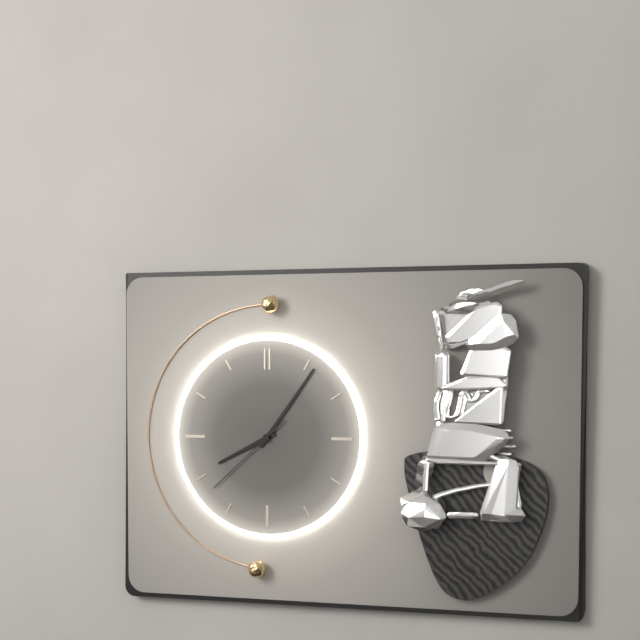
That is 8h06m38s
